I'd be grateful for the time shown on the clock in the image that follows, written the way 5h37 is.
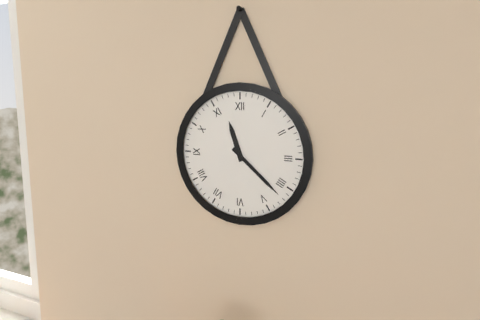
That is 11h22
